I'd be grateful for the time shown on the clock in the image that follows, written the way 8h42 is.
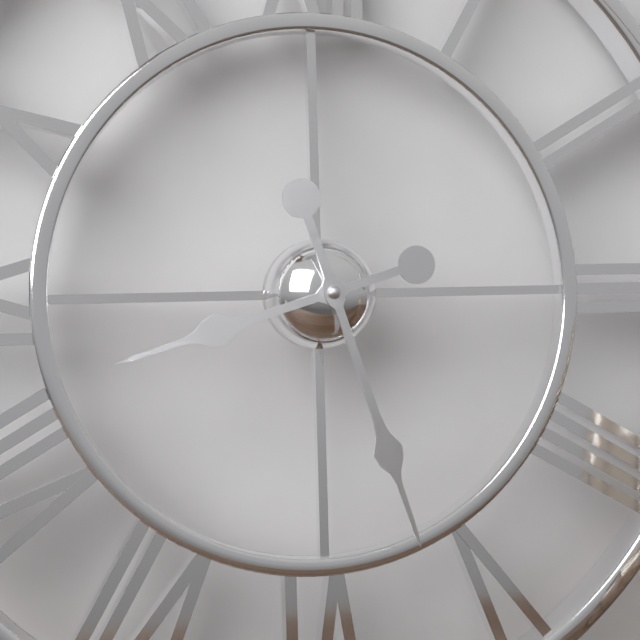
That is 8h27
